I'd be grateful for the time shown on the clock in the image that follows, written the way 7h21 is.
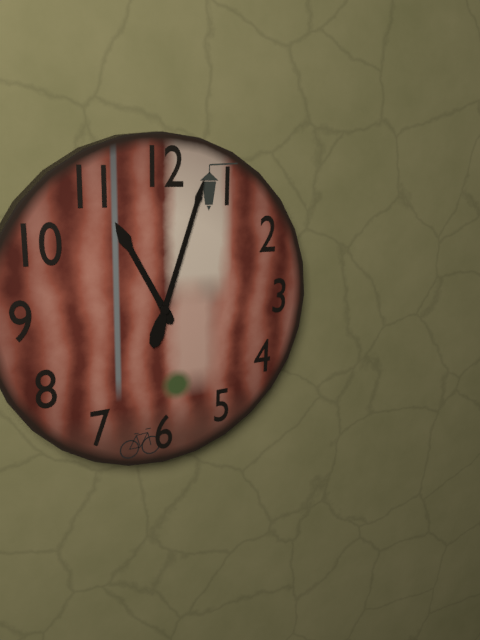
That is 11h03
